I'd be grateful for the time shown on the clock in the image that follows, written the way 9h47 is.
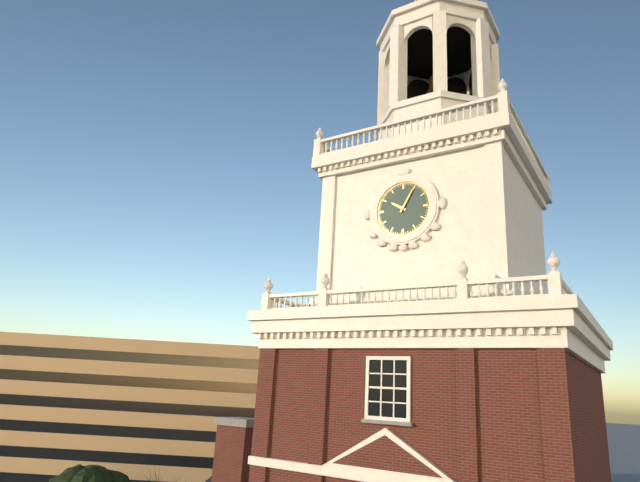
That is 10h05
